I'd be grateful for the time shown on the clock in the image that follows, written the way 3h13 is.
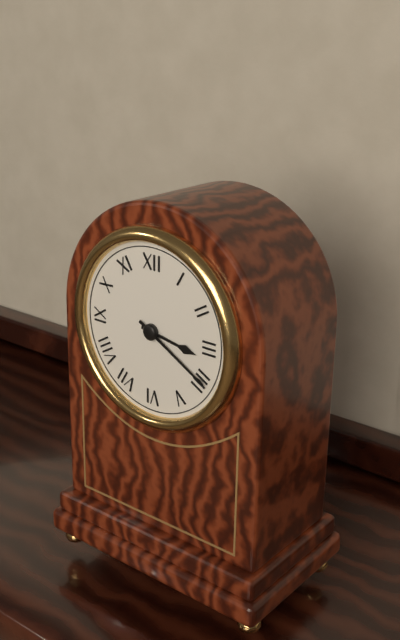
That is 3h20
